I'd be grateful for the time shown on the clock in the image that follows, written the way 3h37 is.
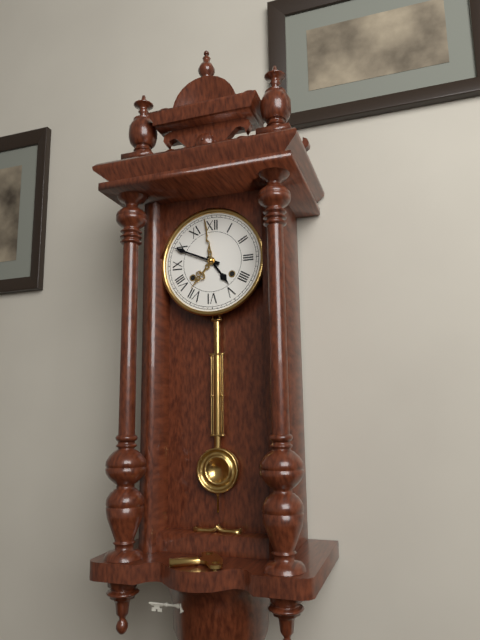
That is 4h49
